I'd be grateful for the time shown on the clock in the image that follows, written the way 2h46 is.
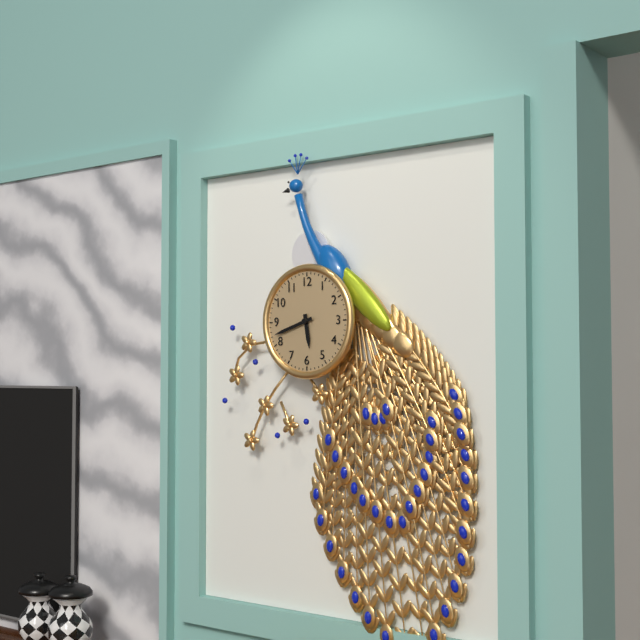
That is 5h42
